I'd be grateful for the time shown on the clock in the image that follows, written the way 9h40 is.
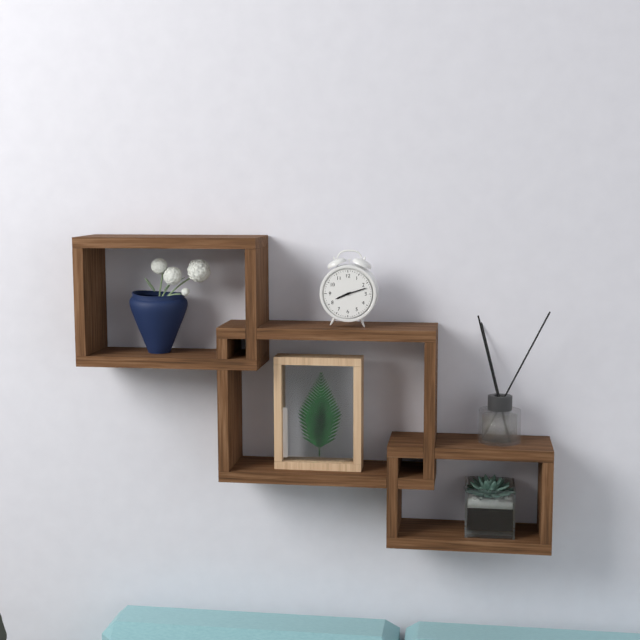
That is 8h12
